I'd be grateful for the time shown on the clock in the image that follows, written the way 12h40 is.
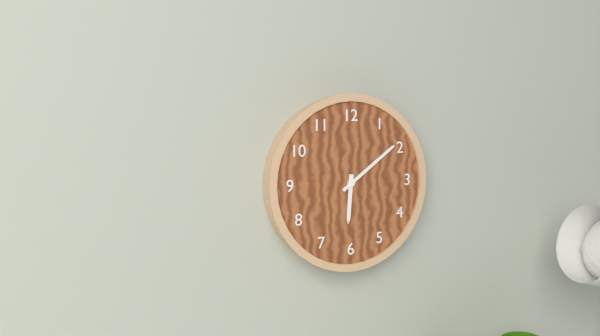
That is 6h09
